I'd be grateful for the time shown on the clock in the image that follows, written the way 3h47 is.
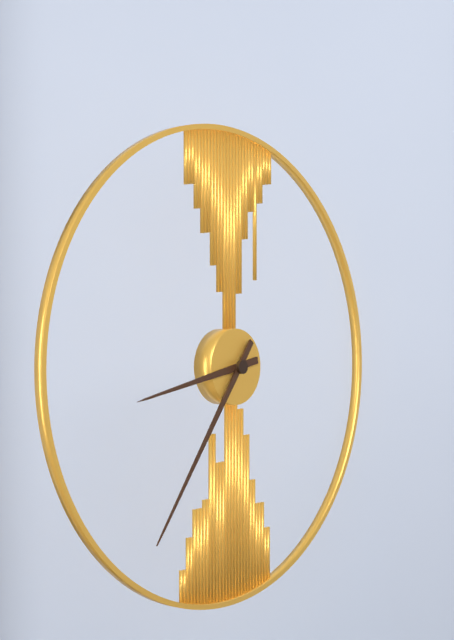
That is 8h36
